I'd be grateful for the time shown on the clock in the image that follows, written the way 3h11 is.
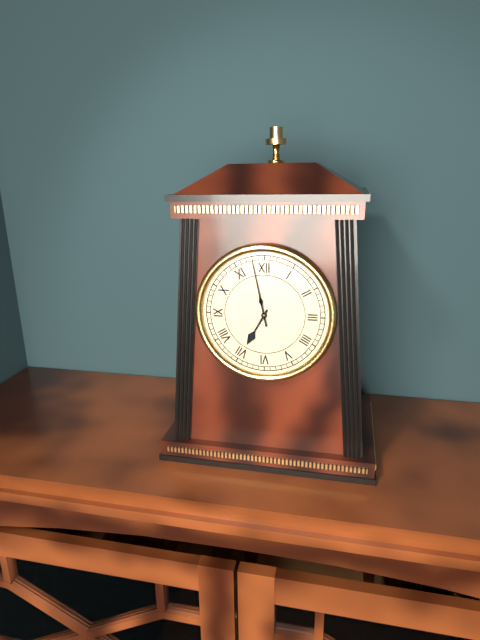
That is 6h58
